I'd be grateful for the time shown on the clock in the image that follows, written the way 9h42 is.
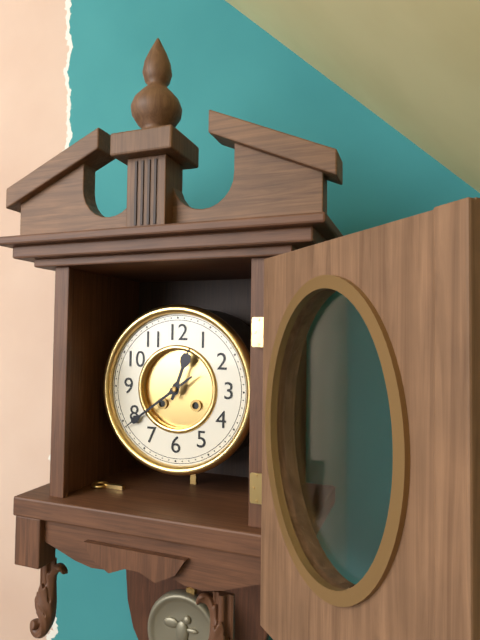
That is 12h39
